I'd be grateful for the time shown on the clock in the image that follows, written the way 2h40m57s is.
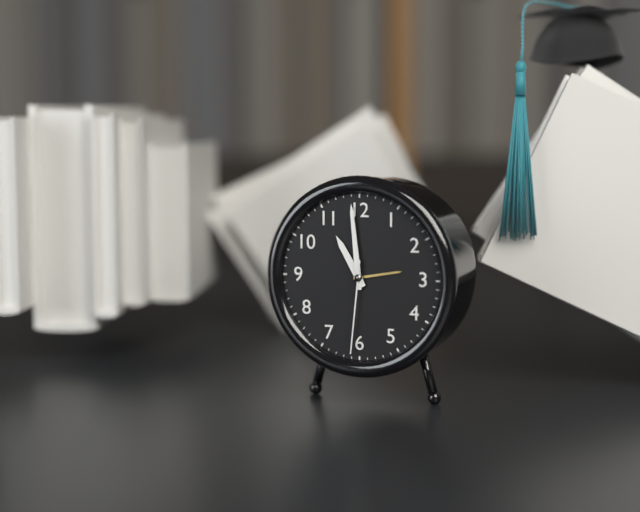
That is 10h59m31s
